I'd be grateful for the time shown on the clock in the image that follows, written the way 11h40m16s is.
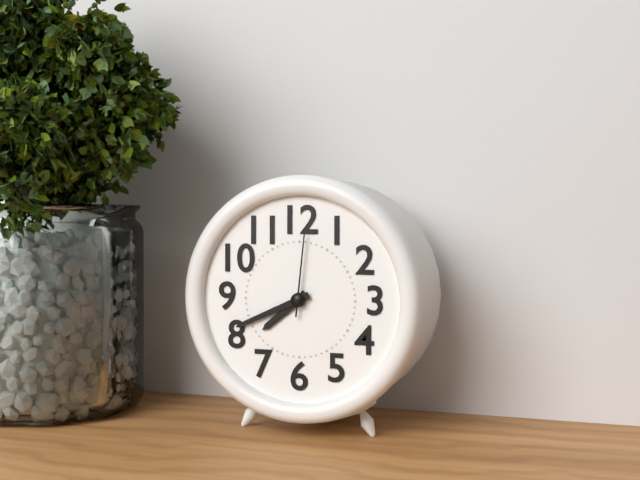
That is 7h41m01s
